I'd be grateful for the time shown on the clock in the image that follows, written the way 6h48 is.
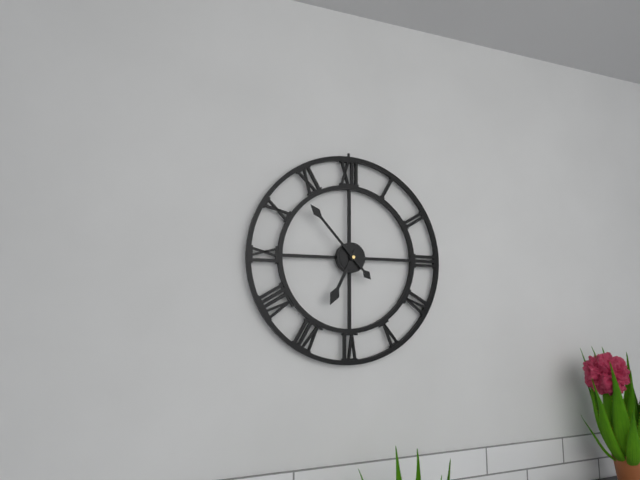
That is 6h53
